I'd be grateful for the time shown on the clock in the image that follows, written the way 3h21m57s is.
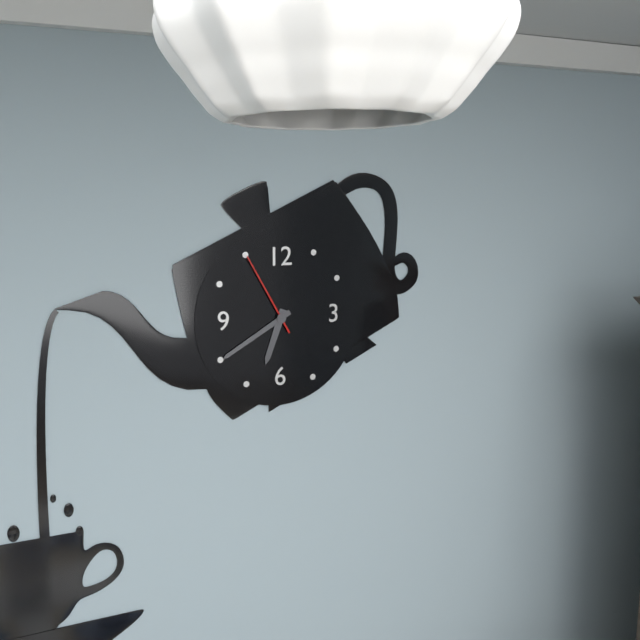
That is 6h40m55s
